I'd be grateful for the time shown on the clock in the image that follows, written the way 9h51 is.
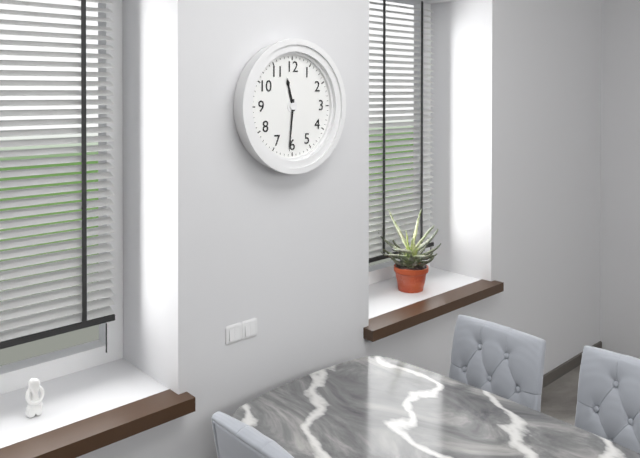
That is 11h31
